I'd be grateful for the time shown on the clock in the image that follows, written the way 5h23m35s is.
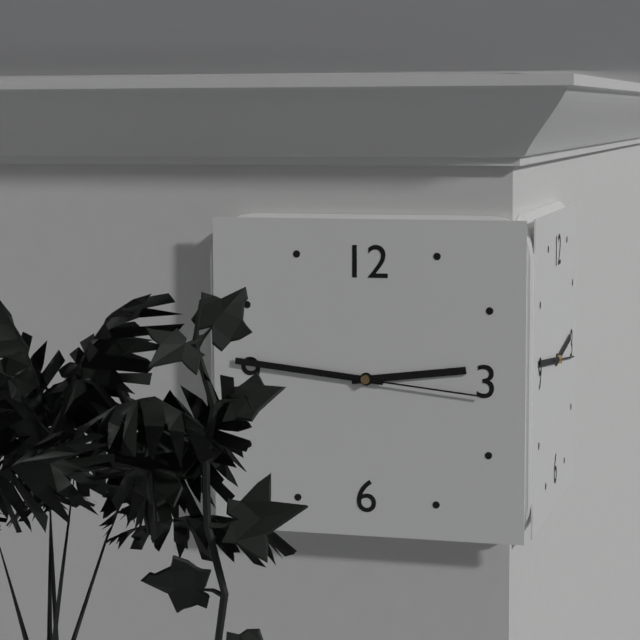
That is 2h46m16s
